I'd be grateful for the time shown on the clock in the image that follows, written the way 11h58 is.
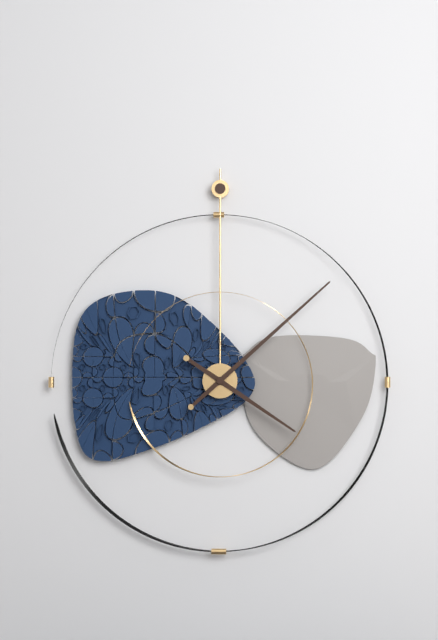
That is 4h08
